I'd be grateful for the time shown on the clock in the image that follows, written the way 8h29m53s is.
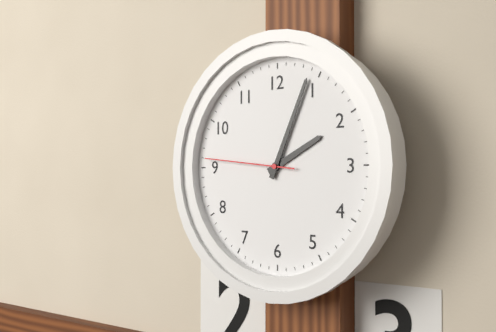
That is 2h04m46s
